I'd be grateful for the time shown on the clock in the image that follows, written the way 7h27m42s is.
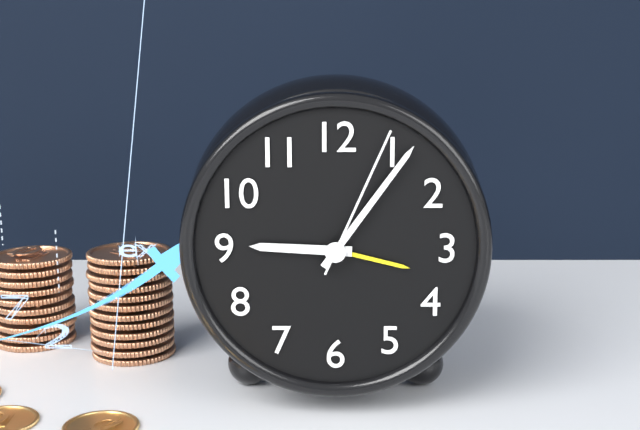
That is 9h06m04s
